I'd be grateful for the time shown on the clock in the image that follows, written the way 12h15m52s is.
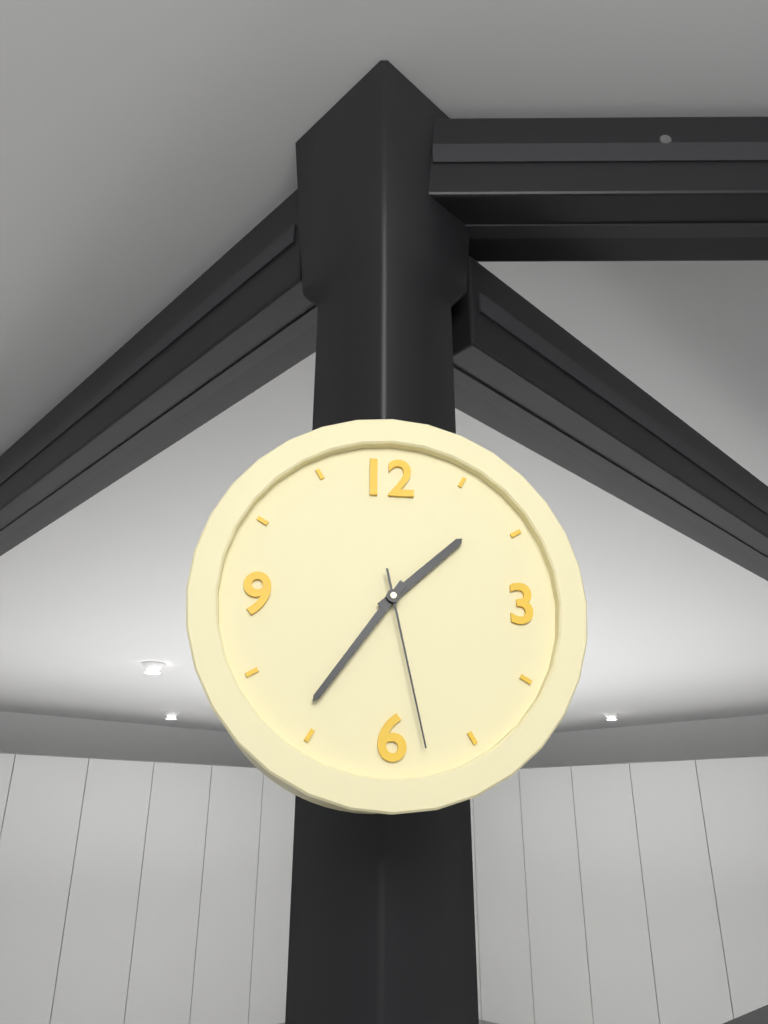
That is 1h36m28s
